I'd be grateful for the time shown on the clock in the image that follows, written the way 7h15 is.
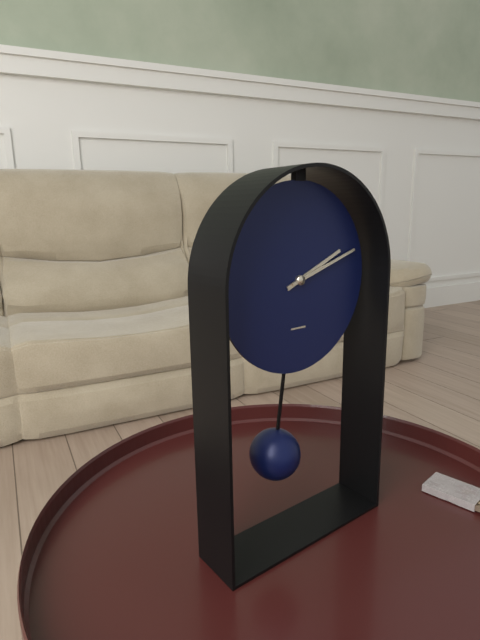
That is 2h12
